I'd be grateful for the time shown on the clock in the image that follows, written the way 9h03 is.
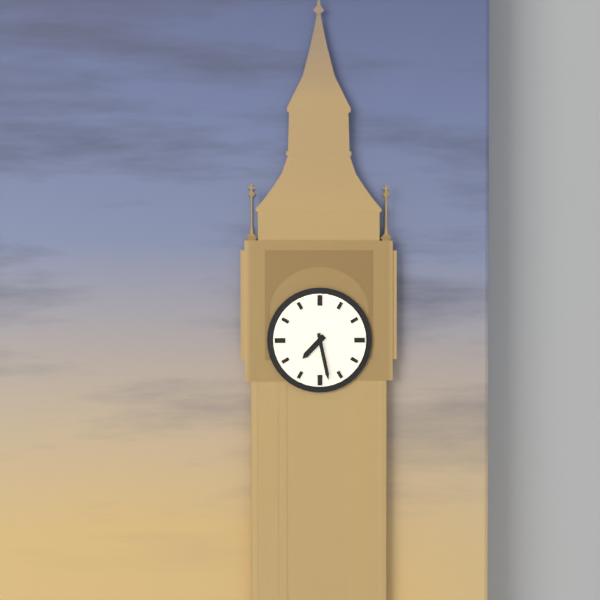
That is 7h28
